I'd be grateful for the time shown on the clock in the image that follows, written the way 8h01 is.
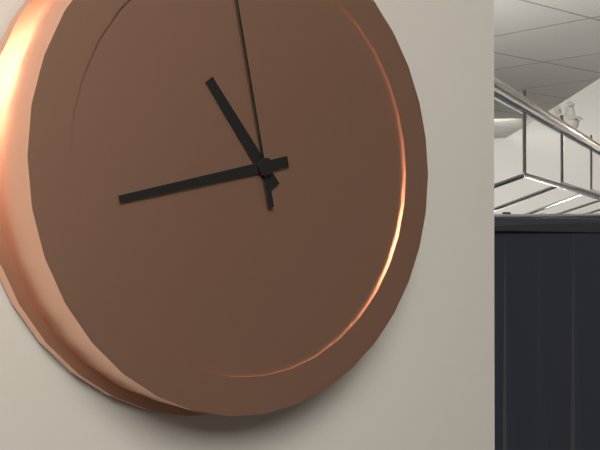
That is 10h43
